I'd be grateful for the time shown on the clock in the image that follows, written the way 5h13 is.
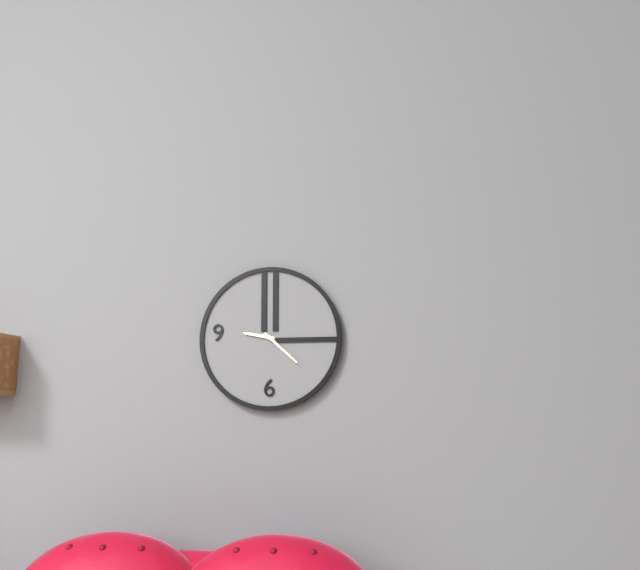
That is 9h22
